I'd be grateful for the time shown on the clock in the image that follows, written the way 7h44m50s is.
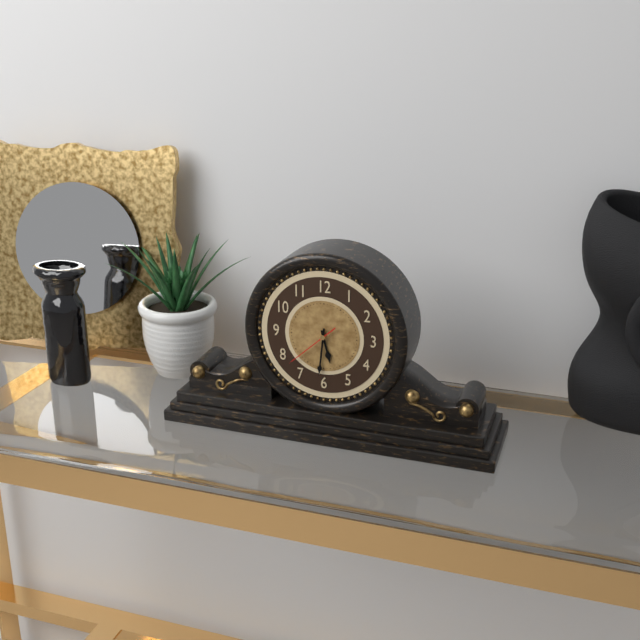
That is 5h31m38s
